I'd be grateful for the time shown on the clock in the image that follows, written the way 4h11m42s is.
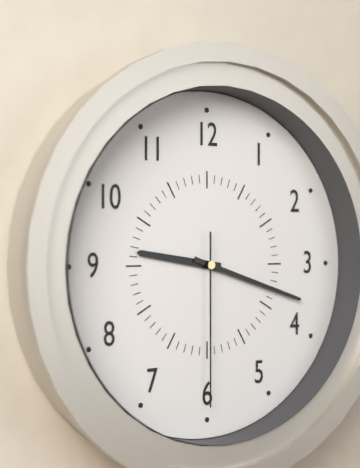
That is 9h18m30s
